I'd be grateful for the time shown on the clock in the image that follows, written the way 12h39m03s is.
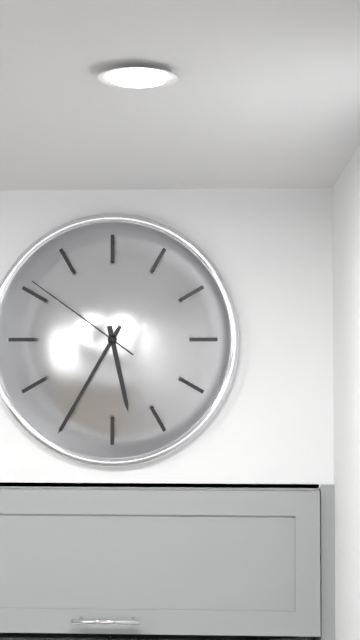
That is 5h35m51s
